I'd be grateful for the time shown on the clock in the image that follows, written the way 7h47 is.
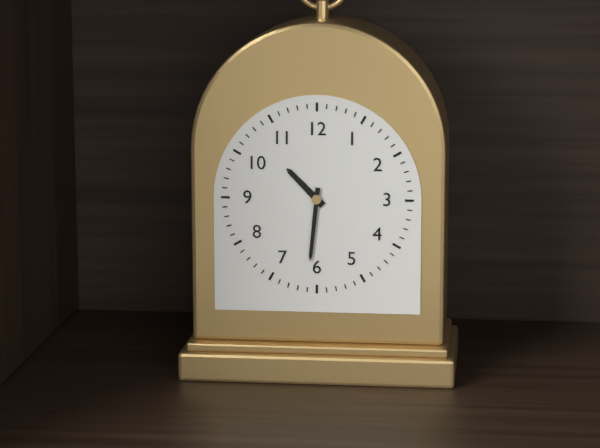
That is 10h31
